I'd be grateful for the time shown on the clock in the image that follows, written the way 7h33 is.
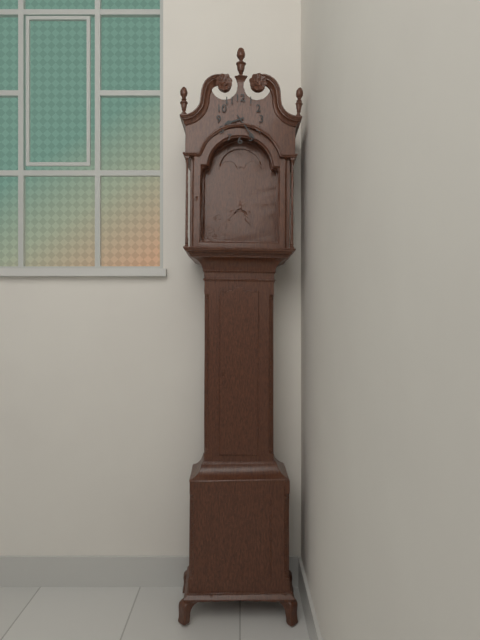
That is 8h24
